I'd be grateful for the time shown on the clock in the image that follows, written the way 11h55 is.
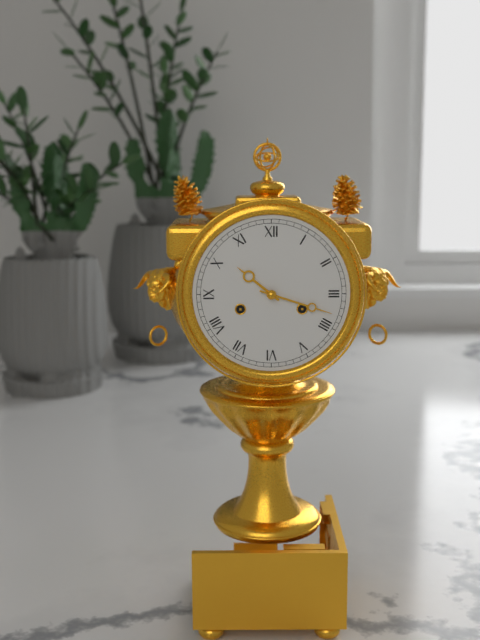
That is 10h18
